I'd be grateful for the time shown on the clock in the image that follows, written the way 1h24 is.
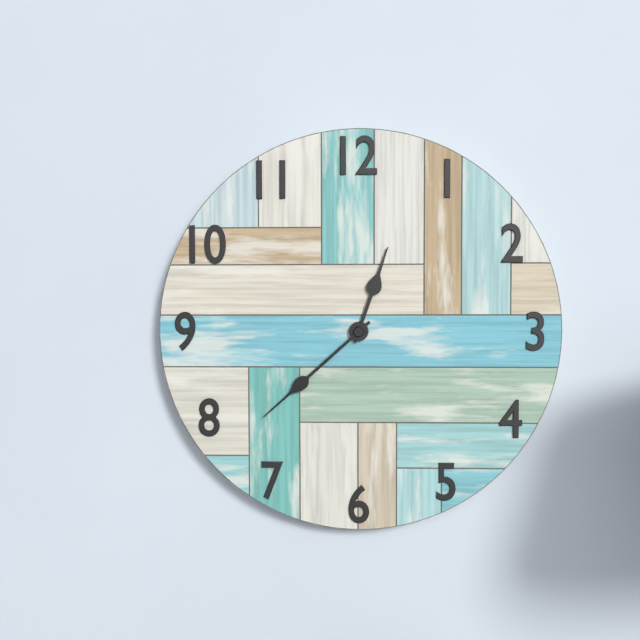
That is 12h38
